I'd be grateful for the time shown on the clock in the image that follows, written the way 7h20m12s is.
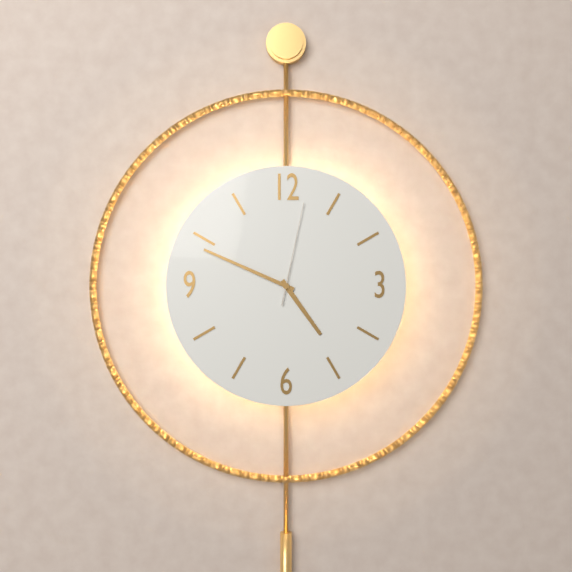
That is 4h49m02s
